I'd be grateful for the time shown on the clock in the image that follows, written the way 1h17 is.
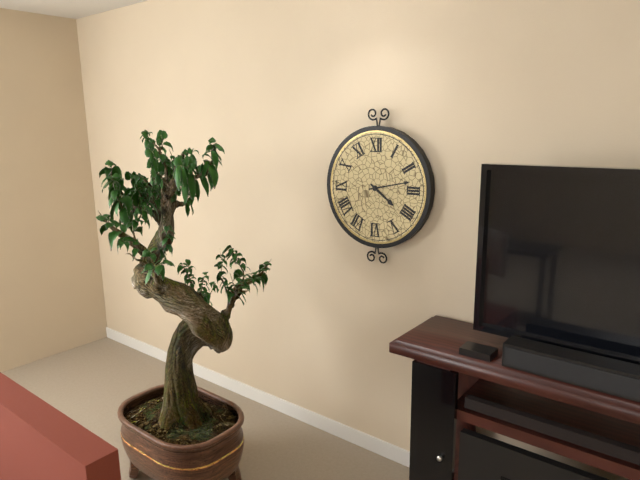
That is 4h13
